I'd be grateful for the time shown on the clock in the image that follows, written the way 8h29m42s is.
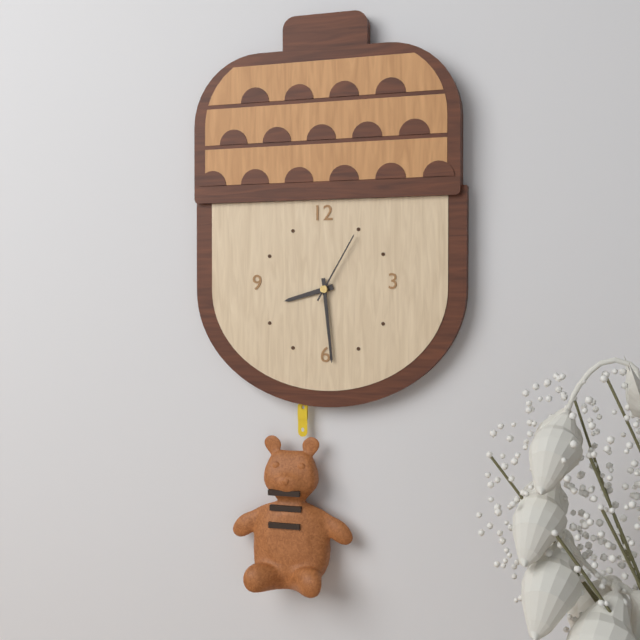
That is 8h29m05s
